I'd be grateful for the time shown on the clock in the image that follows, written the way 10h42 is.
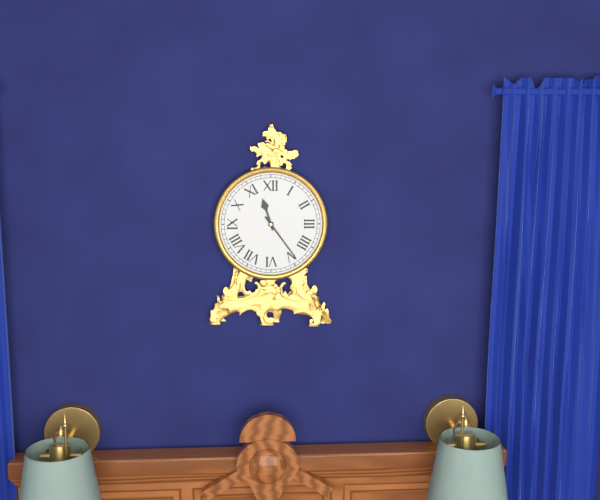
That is 11h24
